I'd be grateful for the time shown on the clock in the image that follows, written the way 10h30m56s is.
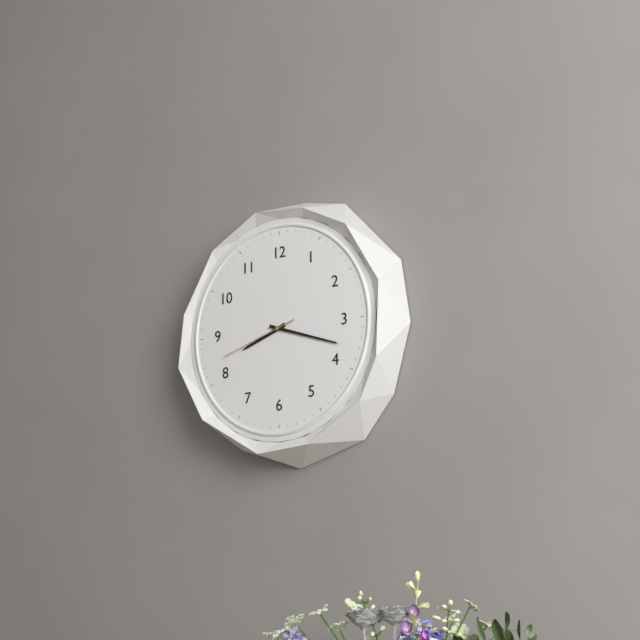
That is 8h18m42s
